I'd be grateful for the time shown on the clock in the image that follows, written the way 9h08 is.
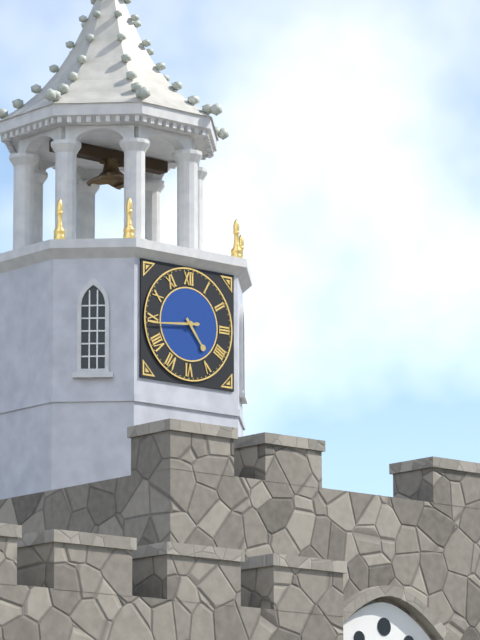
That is 4h44
